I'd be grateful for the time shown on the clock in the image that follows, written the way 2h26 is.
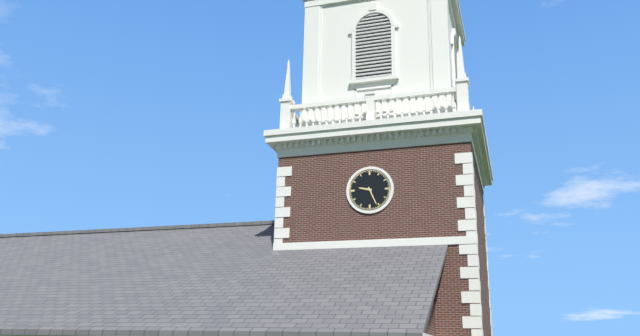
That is 9h26
